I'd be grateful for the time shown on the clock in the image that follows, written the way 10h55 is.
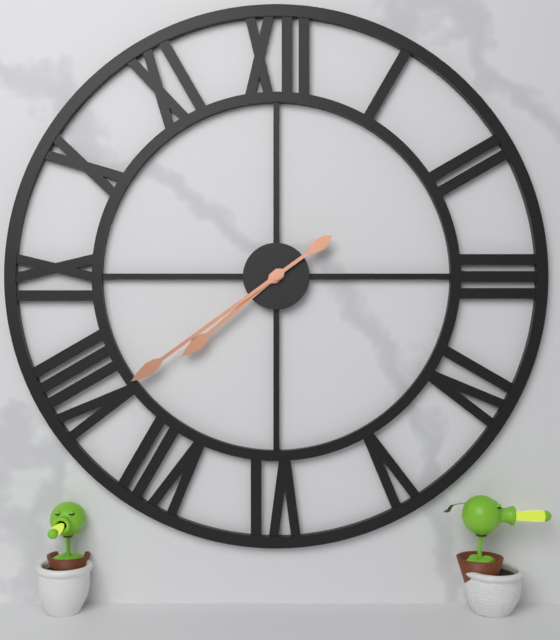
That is 7h39
